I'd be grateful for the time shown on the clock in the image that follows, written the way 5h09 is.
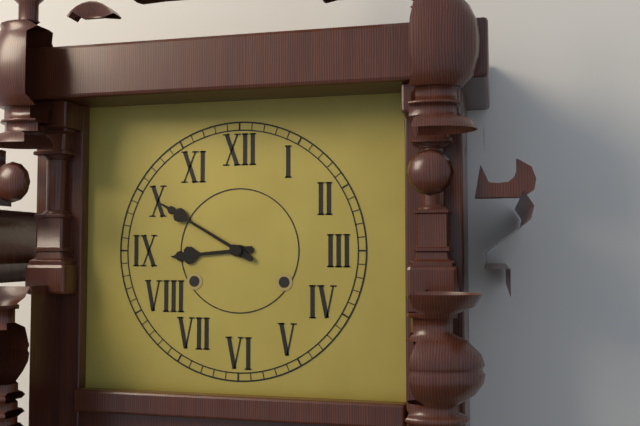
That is 8h50
